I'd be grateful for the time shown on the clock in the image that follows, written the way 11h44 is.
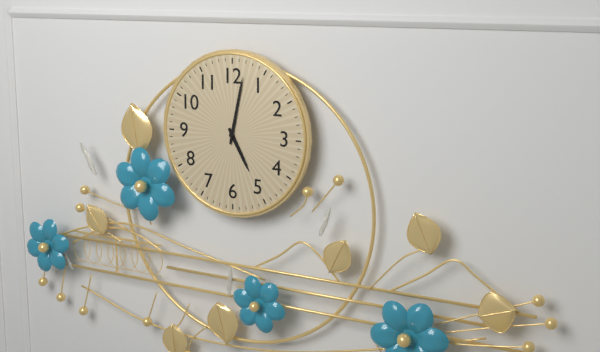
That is 5h02
